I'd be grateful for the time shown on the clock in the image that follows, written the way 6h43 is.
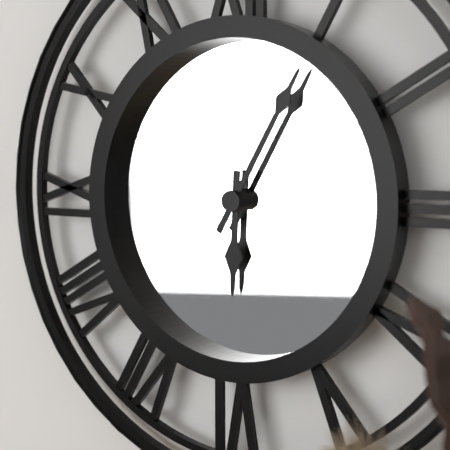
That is 6h05
